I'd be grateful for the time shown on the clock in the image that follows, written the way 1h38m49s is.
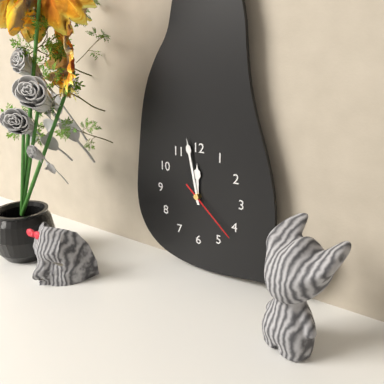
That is 11h58m22s
